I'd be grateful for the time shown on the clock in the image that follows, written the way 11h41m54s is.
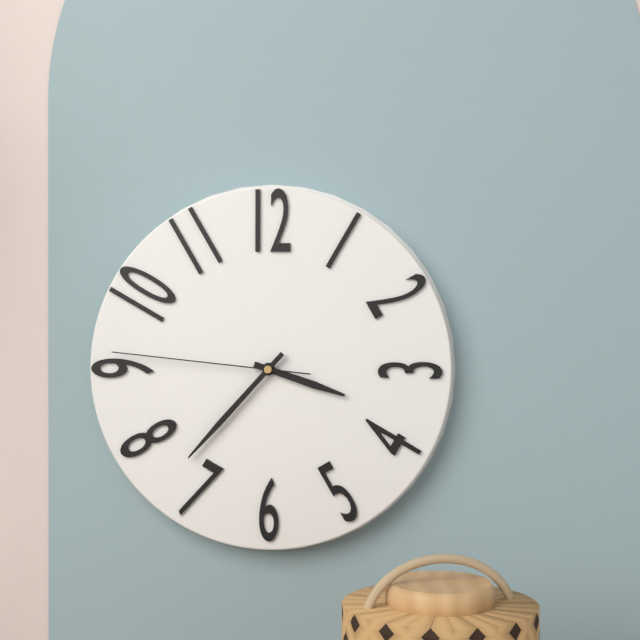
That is 3h37m46s
